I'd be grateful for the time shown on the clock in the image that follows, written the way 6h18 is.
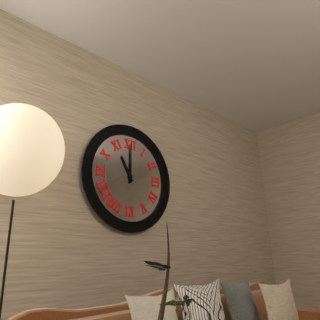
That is 11h00
